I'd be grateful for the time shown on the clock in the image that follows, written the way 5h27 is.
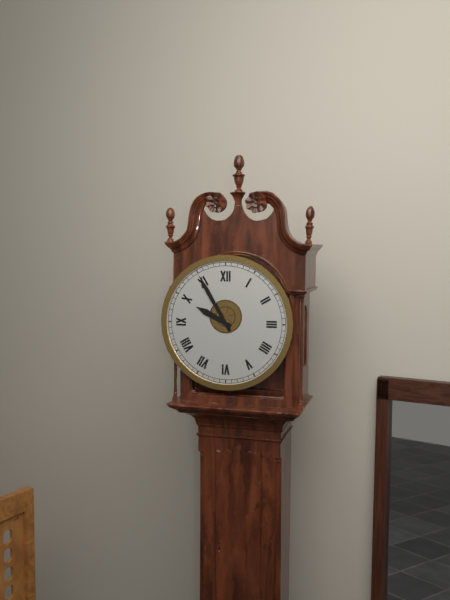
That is 9h55
